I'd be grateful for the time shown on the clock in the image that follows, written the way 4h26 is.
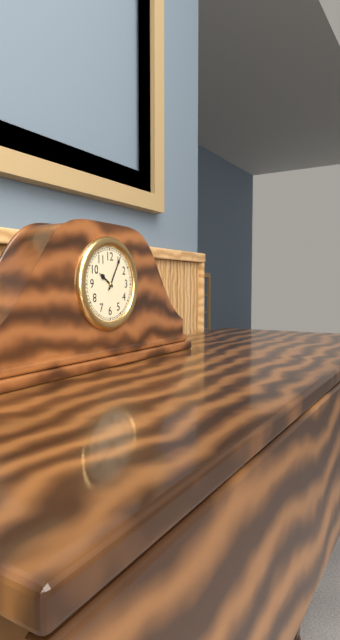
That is 10h05
